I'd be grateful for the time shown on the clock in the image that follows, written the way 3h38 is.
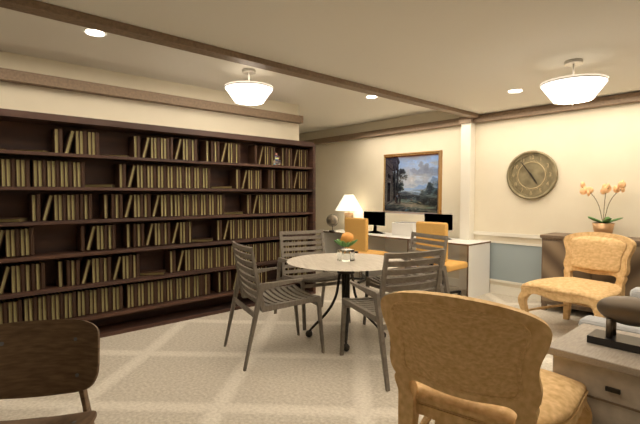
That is 4h54
